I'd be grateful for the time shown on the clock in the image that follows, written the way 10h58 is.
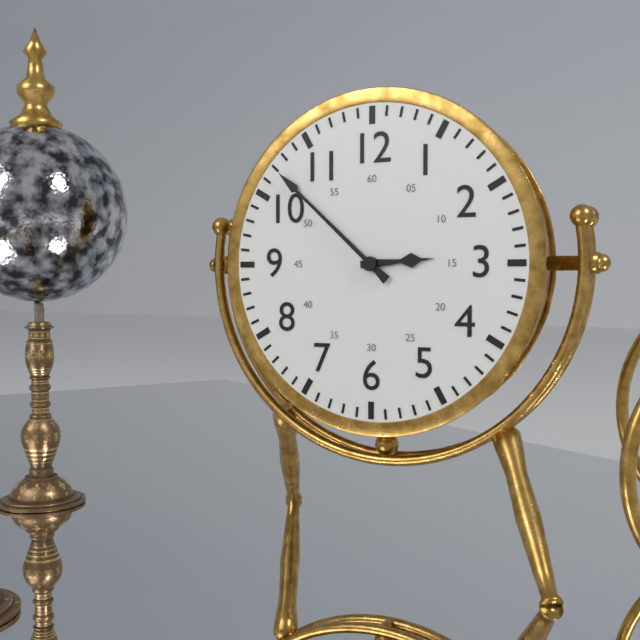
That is 2h52
